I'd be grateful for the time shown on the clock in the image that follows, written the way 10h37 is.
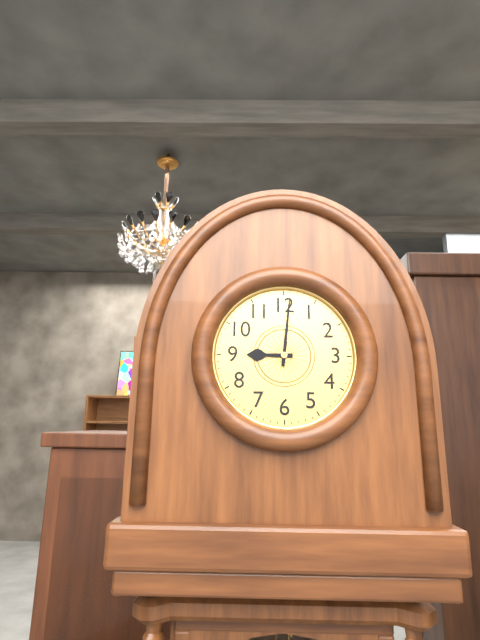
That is 9h01
